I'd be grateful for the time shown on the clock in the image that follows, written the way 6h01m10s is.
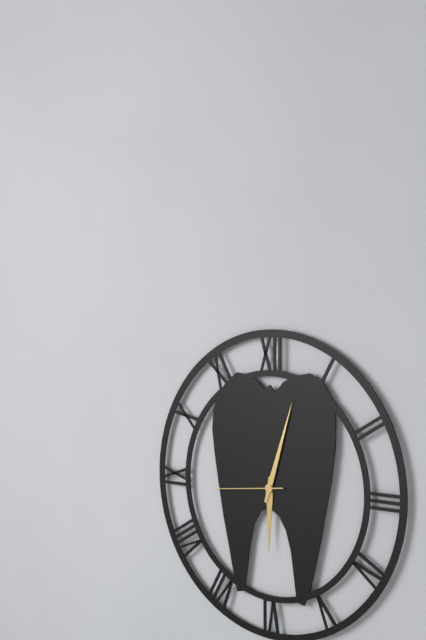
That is 6h03m44s
